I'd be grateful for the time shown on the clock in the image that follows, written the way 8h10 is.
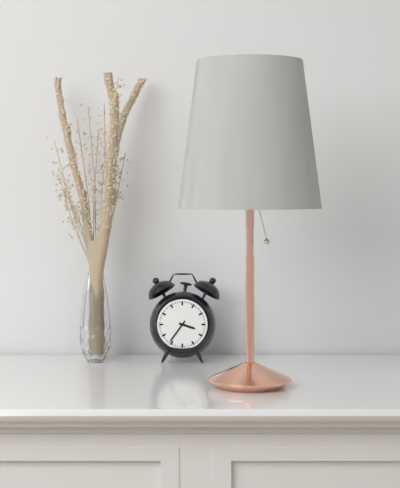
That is 3h36
